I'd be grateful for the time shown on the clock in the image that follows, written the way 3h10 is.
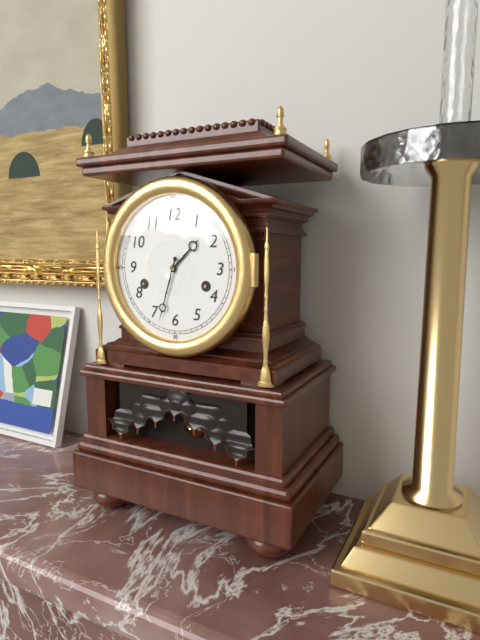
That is 1h33
